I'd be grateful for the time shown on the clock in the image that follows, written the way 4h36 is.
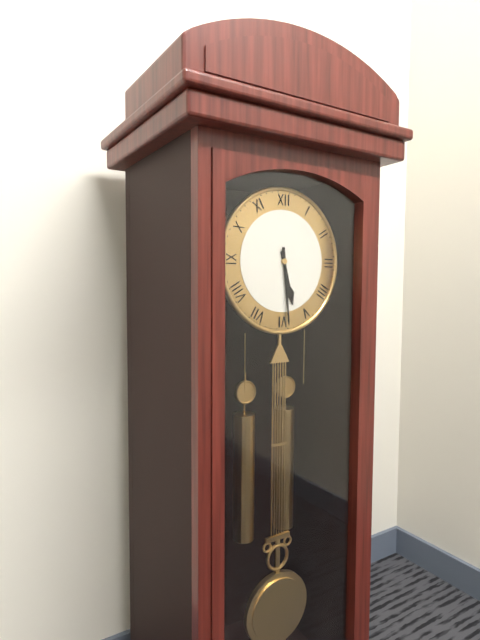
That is 5h29
